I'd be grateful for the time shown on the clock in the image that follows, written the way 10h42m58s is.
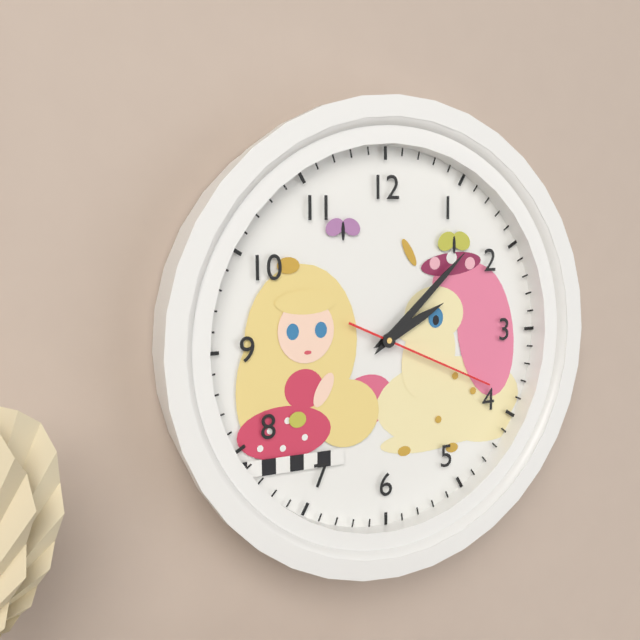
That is 2h08m19s
